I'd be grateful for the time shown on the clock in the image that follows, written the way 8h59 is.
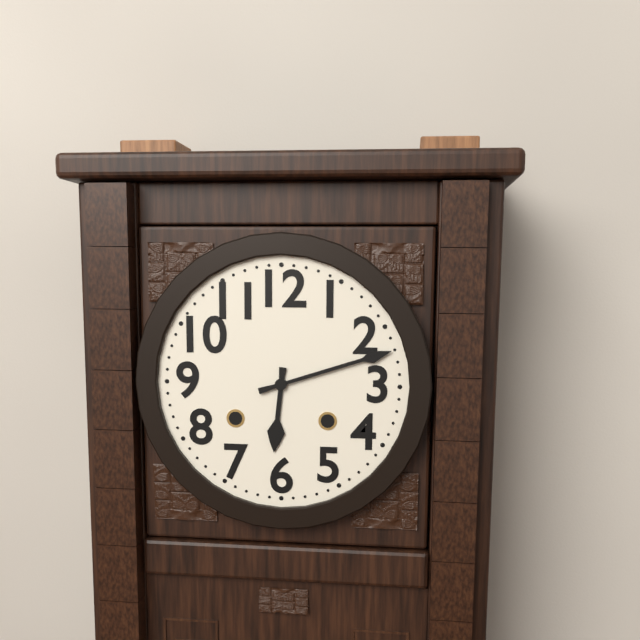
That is 6h12
